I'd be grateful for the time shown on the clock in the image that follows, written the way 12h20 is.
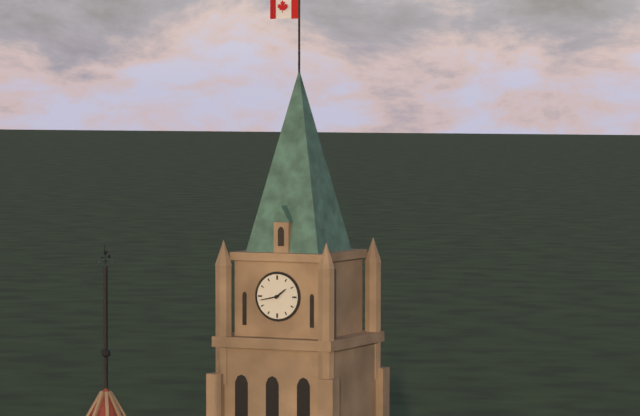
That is 1h43
